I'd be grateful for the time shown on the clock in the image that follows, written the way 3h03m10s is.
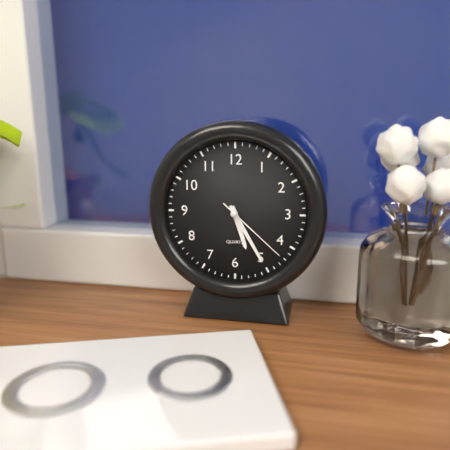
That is 5h25m22s
